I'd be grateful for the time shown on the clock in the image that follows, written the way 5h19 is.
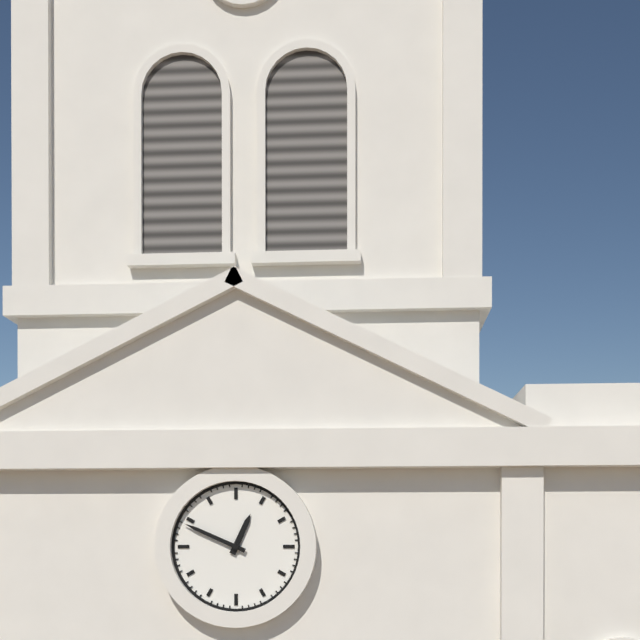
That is 12h49
